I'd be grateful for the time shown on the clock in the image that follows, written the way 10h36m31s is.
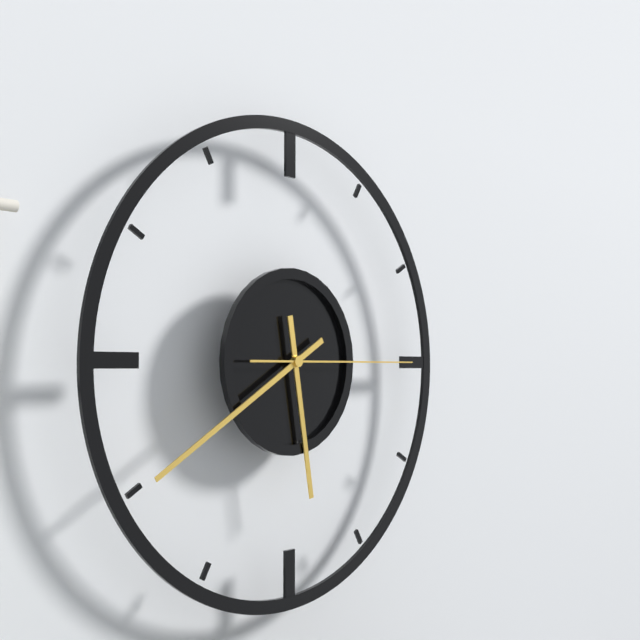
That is 5h40m15s
